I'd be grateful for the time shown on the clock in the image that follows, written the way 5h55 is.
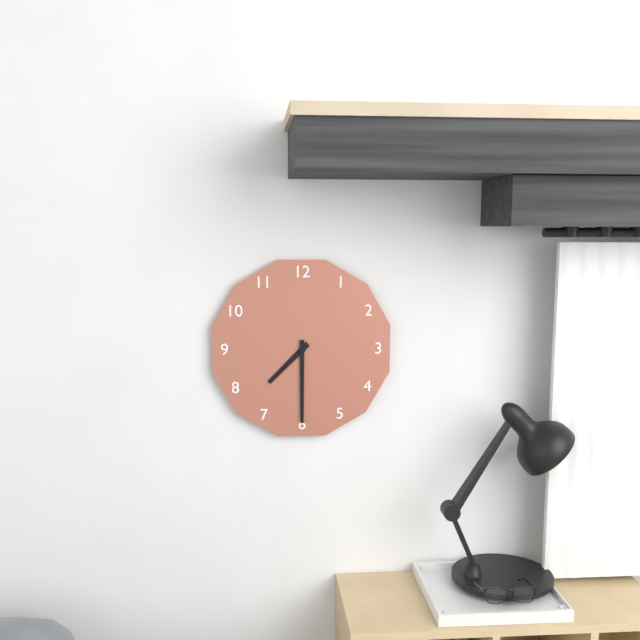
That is 7h30
